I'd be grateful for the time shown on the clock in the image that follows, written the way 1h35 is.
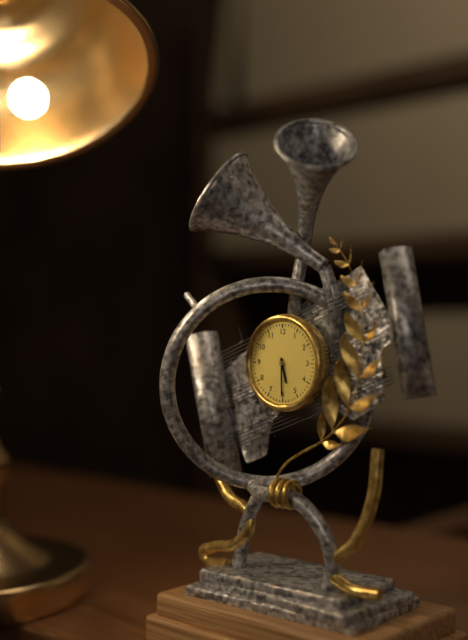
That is 5h30
